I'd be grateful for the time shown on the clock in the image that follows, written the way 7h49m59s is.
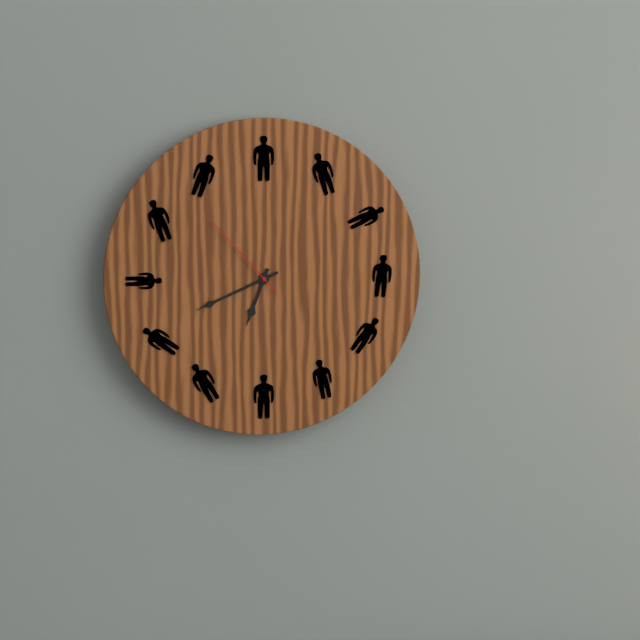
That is 6h41m53s
